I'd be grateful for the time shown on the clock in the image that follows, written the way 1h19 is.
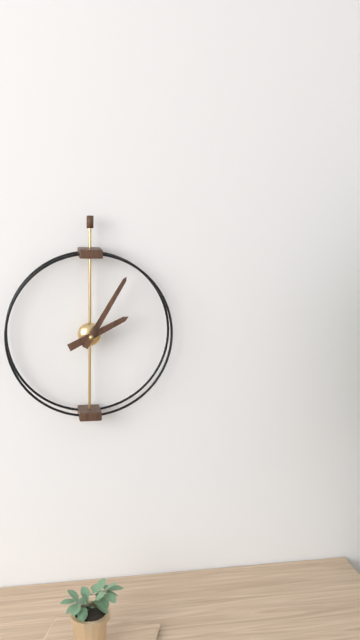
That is 2h05
